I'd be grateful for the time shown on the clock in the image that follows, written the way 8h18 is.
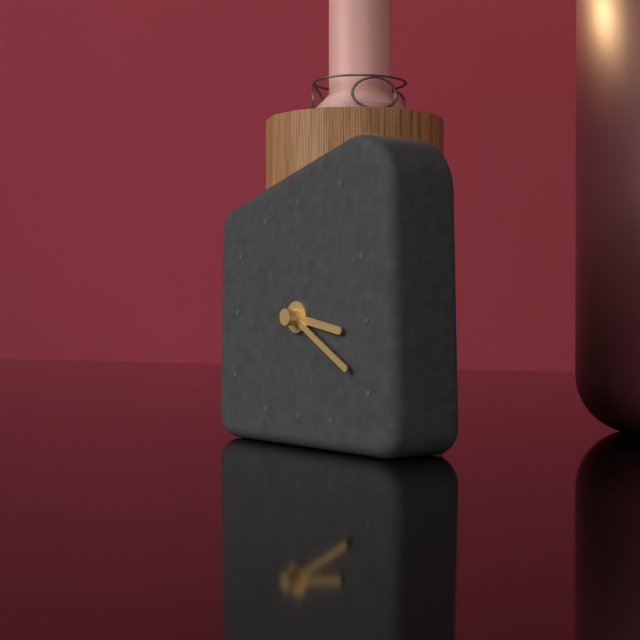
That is 3h20
